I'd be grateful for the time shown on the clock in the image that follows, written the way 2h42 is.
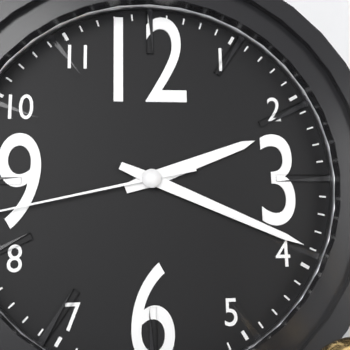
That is 2h19
